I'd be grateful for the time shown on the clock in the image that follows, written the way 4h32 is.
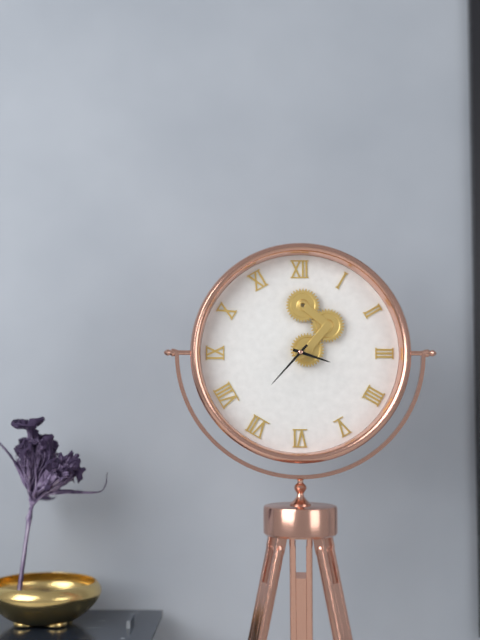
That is 3h37
